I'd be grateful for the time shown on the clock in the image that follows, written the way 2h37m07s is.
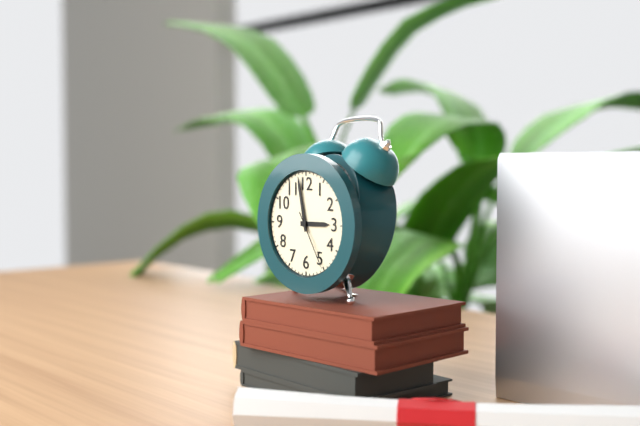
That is 2h58m25s
